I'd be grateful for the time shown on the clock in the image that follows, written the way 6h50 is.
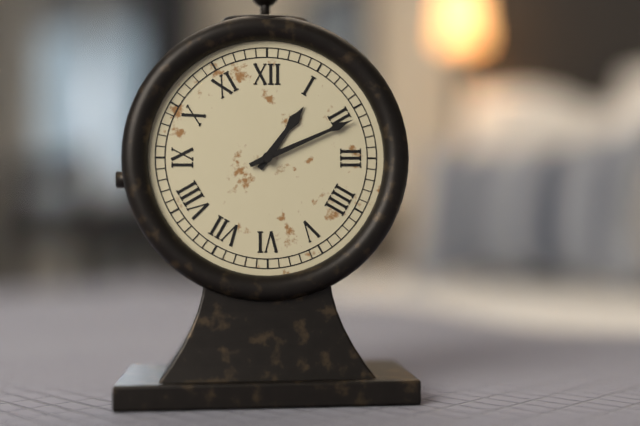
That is 1h11
